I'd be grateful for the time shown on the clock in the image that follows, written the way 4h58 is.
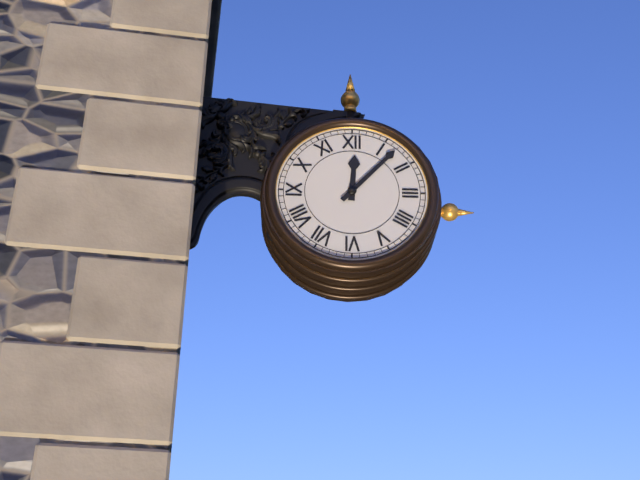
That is 12h07
